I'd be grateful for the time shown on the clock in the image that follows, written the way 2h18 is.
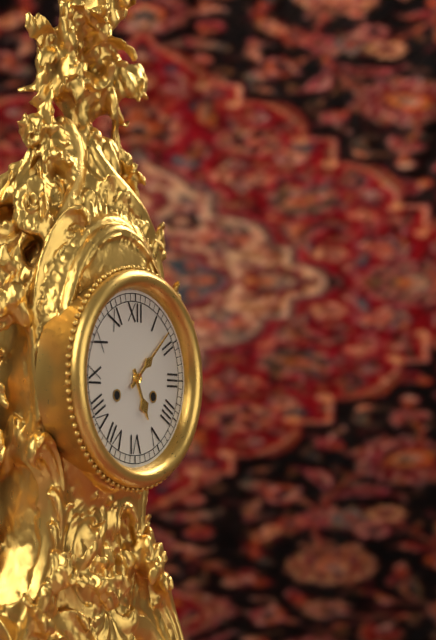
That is 5h08
